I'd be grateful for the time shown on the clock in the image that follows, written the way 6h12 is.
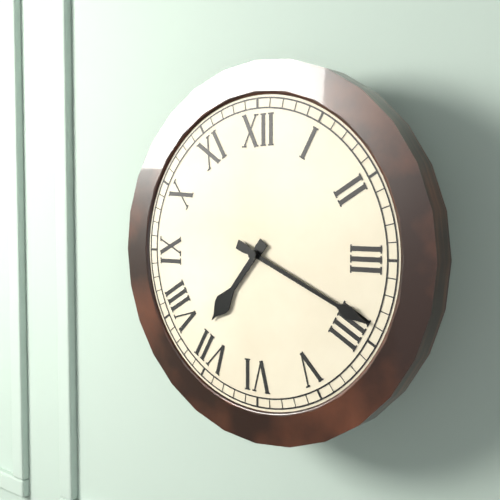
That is 7h19
